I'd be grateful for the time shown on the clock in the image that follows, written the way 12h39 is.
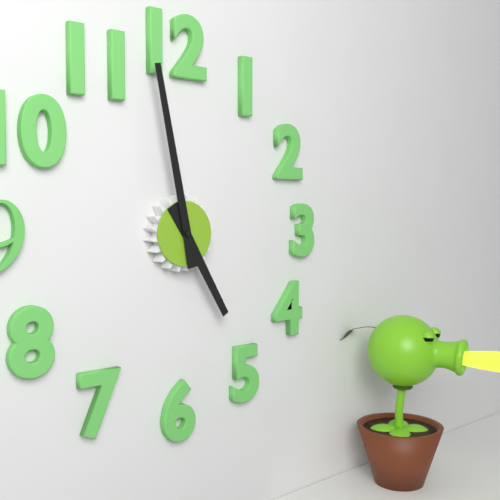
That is 4h58
